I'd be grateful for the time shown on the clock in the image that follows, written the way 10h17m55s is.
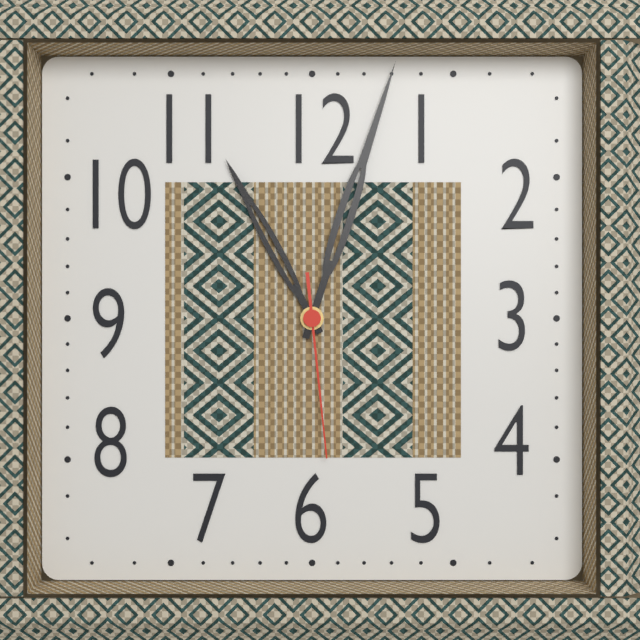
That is 11h03m29s
